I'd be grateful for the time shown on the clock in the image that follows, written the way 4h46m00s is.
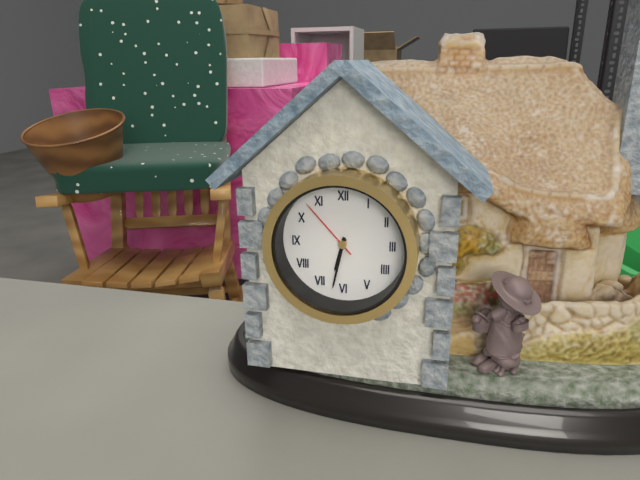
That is 6h32m53s
